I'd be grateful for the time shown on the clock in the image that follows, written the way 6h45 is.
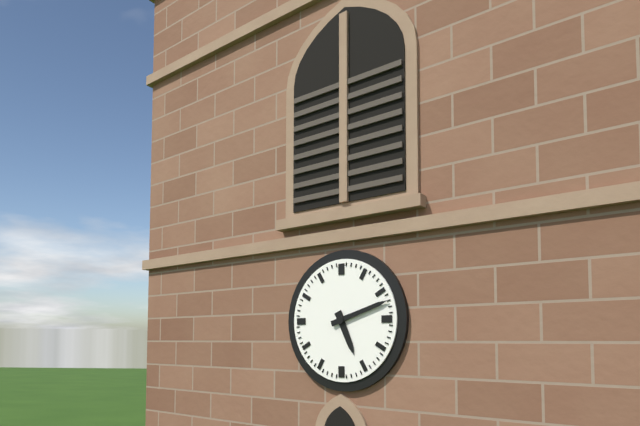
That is 5h12
